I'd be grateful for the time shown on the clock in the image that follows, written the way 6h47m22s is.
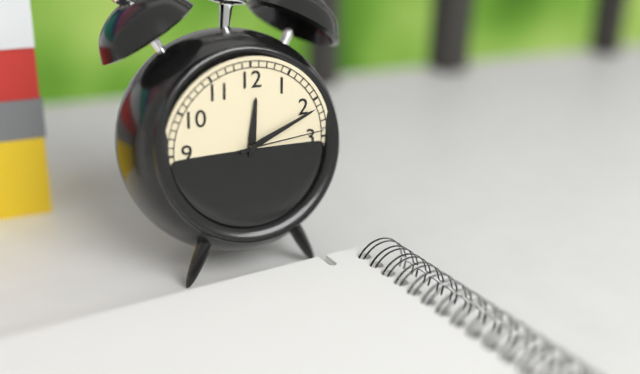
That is 12h11m14s
